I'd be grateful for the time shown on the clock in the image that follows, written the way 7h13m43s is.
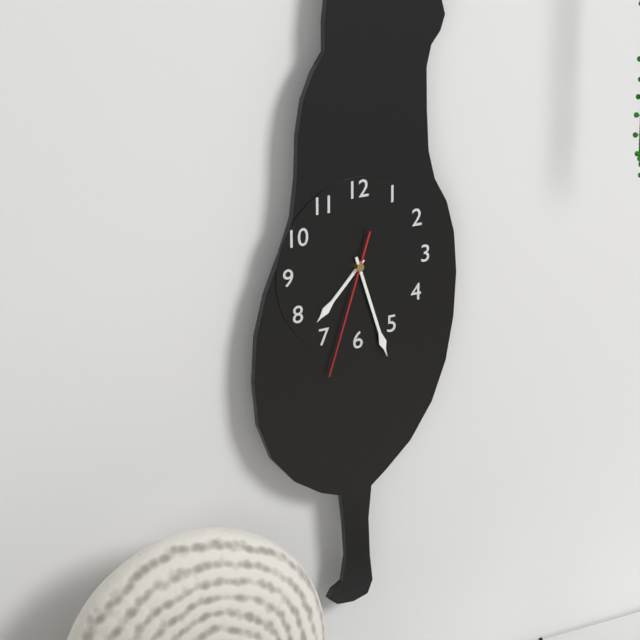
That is 7h27m33s
